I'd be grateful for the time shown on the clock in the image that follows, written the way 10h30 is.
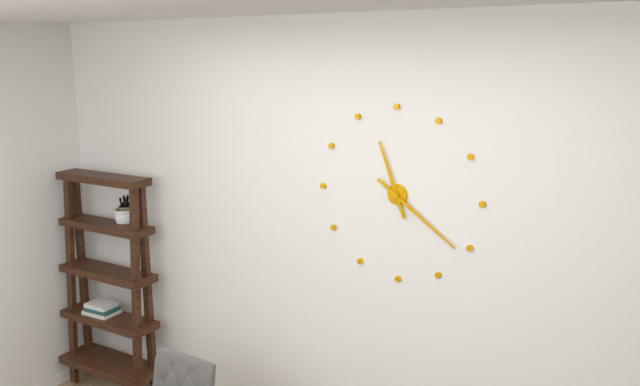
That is 11h21
